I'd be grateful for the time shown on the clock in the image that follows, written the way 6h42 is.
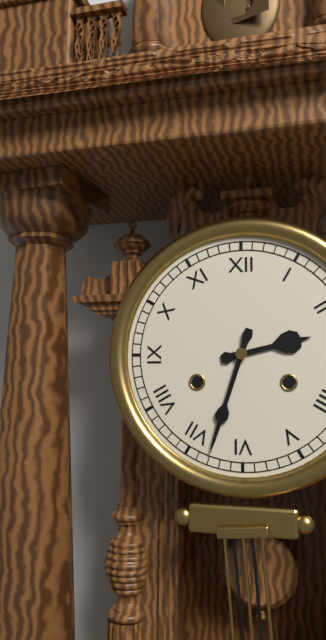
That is 2h33
